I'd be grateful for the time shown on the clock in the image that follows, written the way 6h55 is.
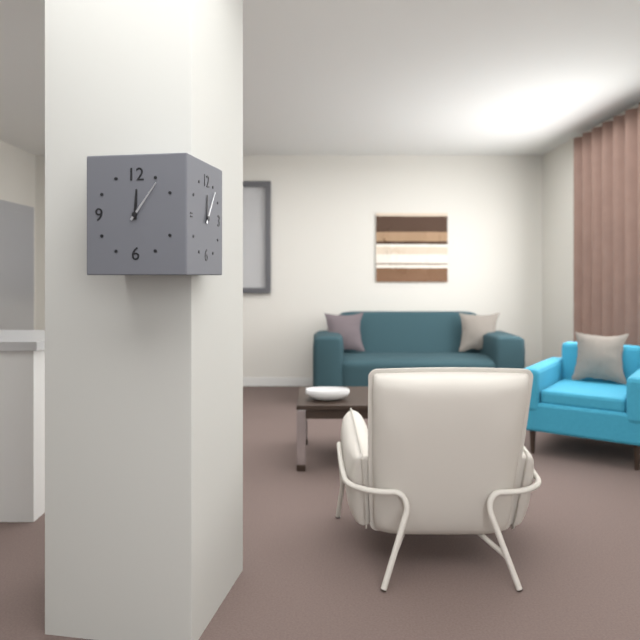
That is 12h06
